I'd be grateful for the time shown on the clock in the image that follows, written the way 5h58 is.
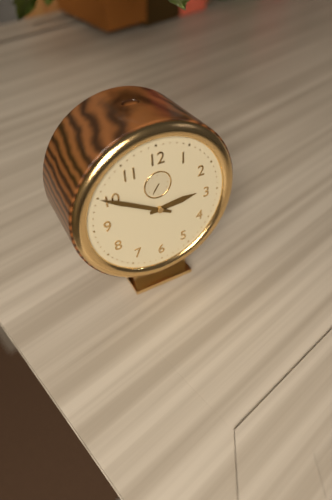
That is 2h50
